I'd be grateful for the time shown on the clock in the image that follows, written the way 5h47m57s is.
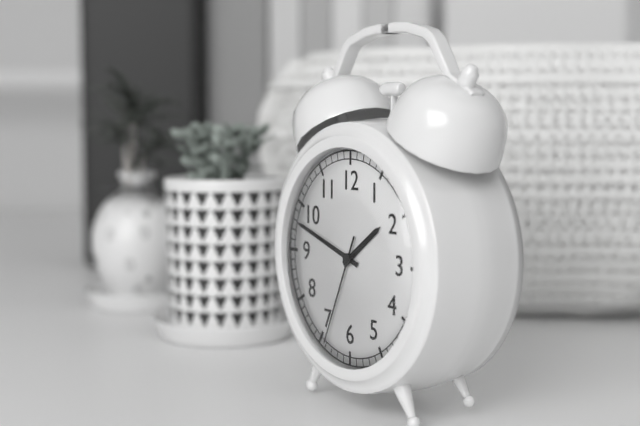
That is 1h48m34s
